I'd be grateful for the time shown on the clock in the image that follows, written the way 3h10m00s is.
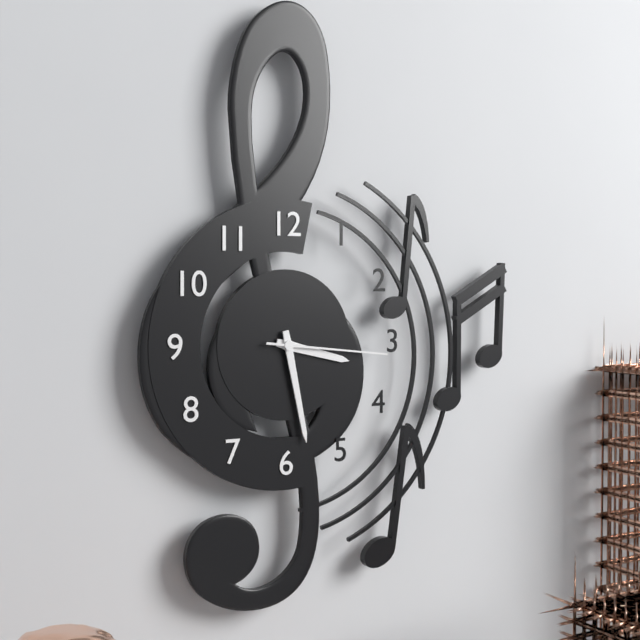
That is 3h28m16s
